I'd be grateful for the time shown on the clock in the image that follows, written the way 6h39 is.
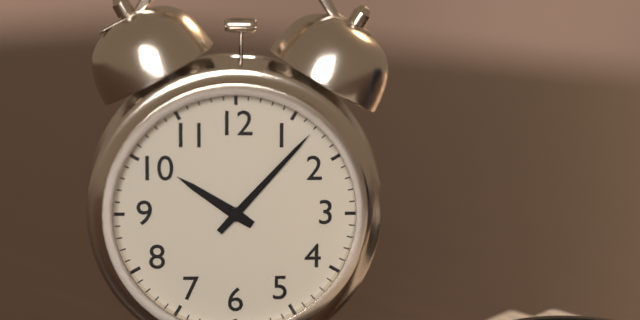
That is 10h07
